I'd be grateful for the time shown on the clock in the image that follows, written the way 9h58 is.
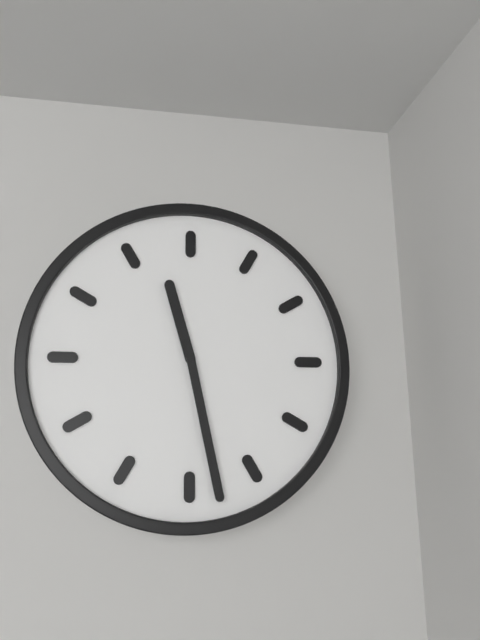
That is 11h28
